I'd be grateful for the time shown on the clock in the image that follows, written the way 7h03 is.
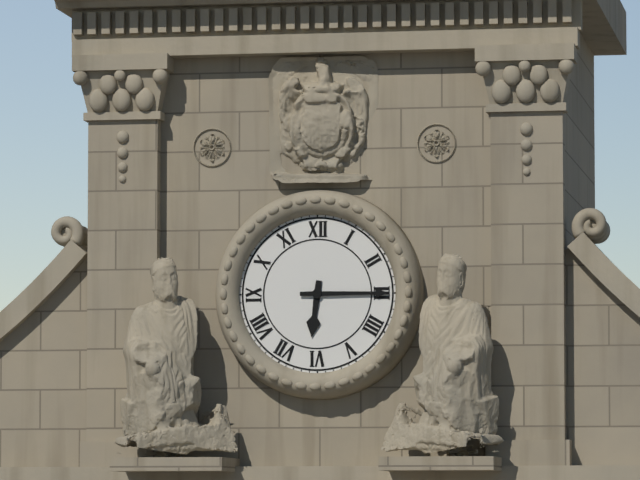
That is 6h15
